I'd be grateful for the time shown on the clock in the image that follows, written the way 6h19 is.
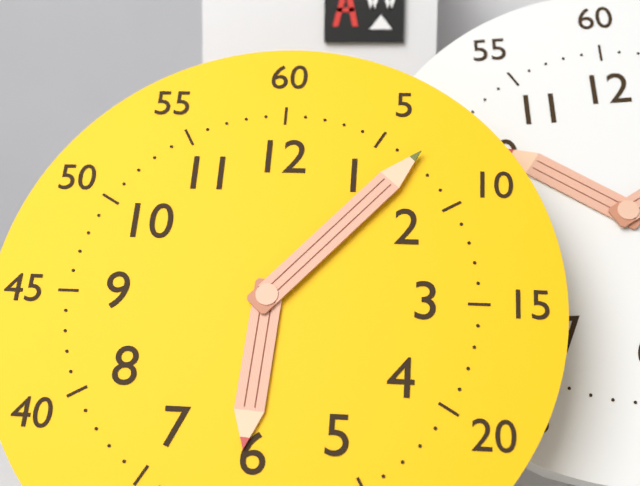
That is 6h07
